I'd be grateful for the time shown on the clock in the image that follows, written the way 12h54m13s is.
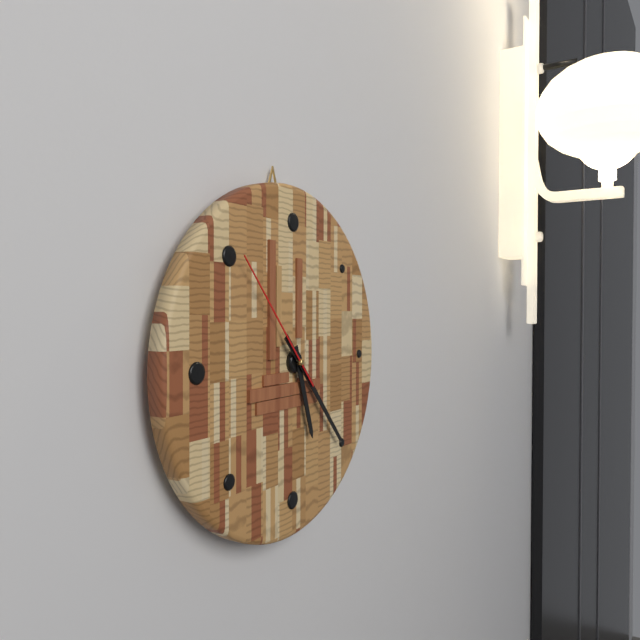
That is 5h23m53s
